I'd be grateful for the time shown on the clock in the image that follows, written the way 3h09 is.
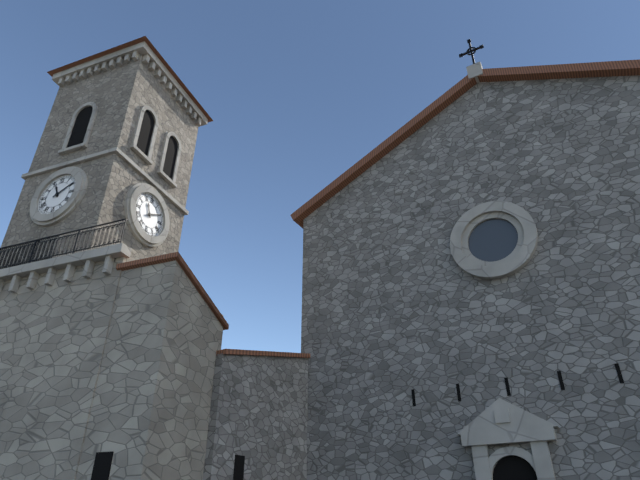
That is 11h10
